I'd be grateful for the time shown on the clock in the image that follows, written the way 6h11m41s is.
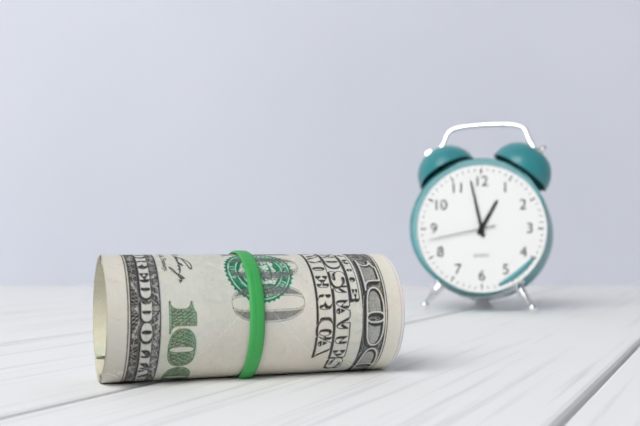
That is 12h58m43s
